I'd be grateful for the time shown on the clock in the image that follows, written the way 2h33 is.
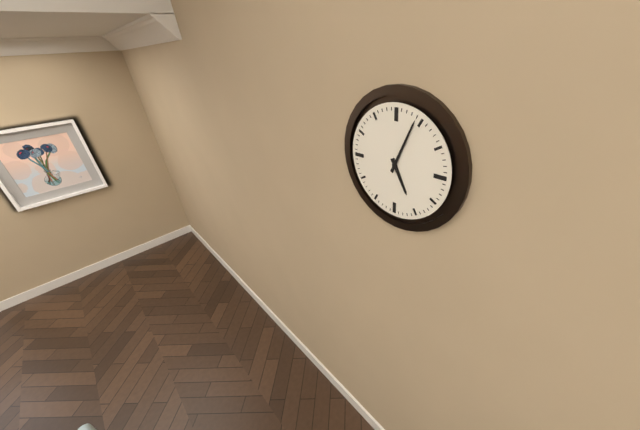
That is 5h04
